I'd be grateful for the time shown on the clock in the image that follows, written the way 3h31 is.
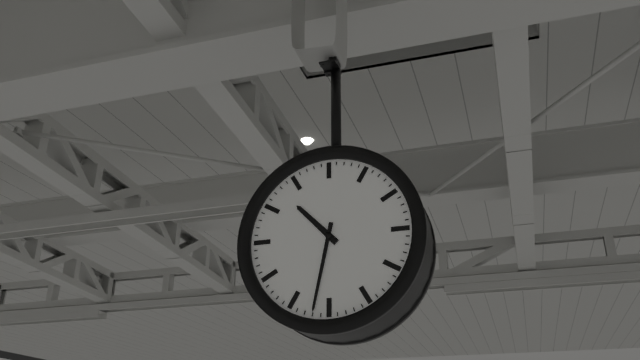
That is 10h32
